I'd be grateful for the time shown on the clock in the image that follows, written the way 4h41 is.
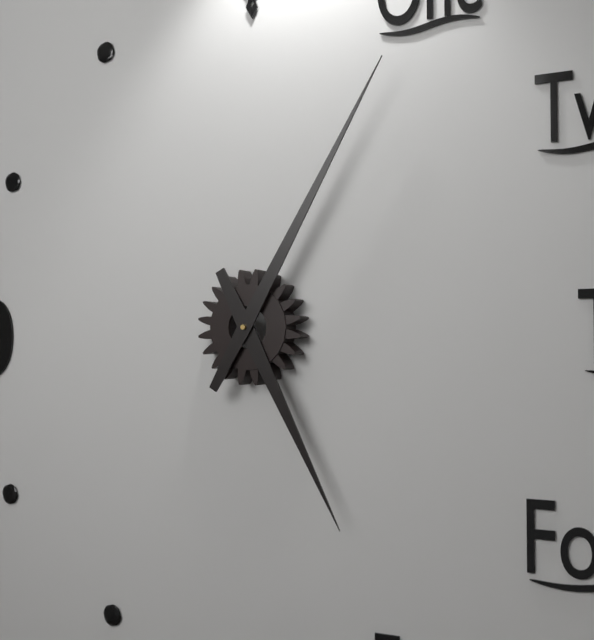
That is 5h05
